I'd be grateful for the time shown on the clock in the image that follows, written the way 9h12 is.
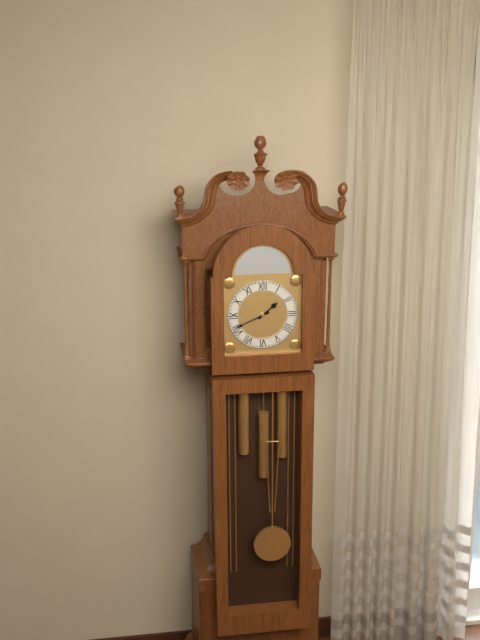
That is 1h41
